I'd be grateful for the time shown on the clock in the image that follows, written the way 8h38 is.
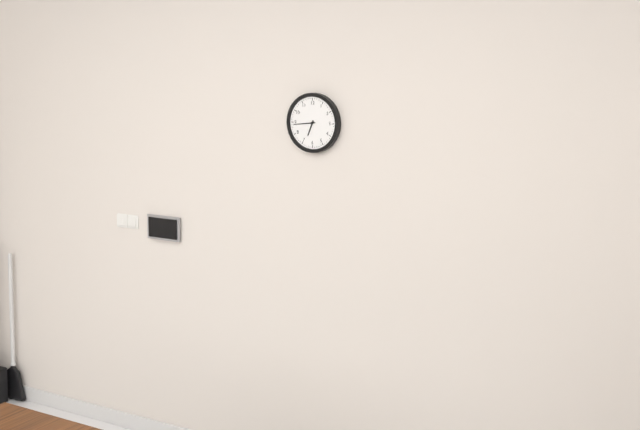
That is 6h44
